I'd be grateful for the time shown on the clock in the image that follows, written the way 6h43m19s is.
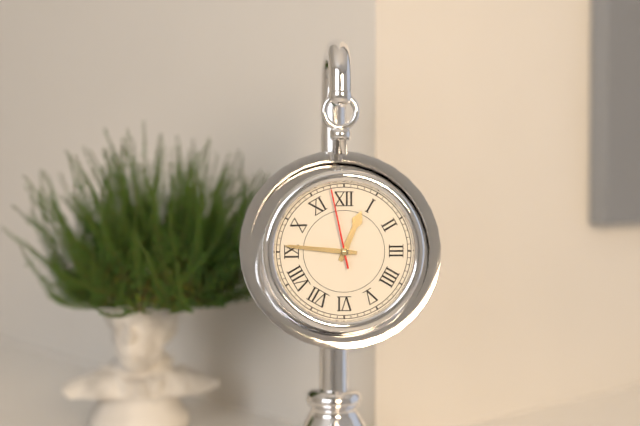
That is 12h46m58s
